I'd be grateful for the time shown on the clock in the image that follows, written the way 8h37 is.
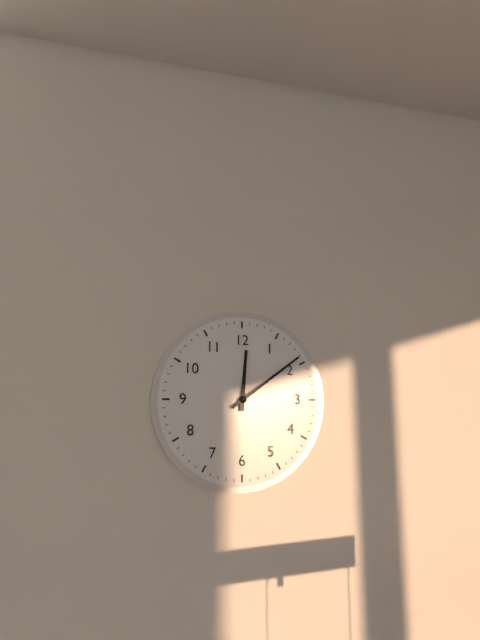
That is 12h09
